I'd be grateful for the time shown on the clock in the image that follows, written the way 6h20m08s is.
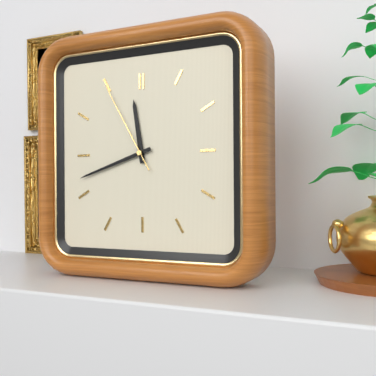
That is 11h42m55s
